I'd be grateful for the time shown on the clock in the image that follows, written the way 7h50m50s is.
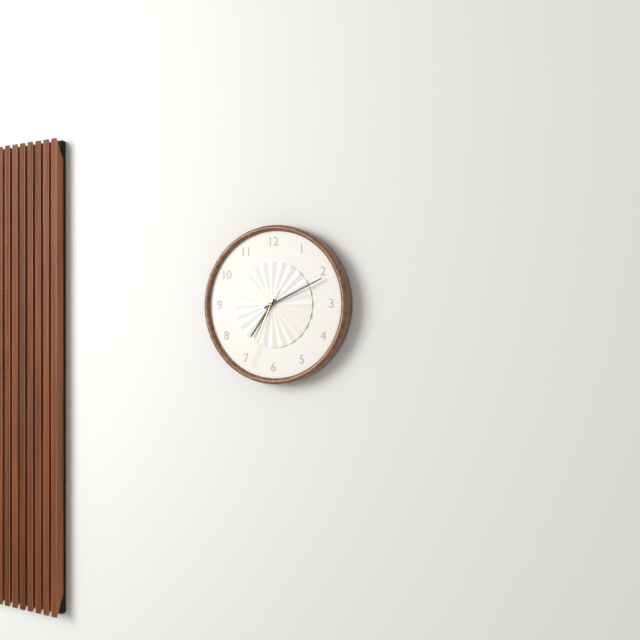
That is 7h11m34s
